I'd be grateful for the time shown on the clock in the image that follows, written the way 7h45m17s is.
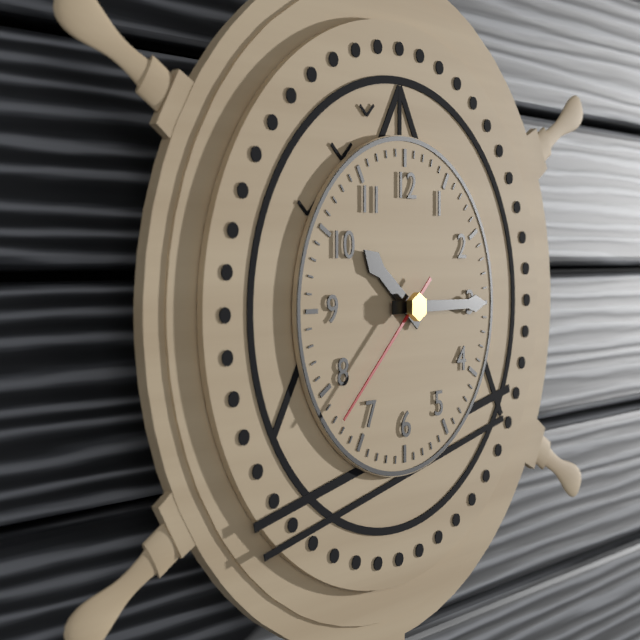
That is 10h15m38s
